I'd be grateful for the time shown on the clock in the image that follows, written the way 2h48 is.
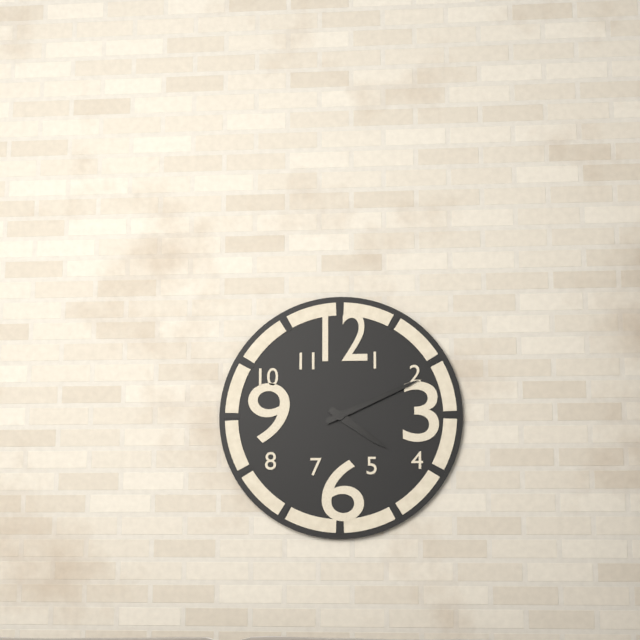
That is 4h11
